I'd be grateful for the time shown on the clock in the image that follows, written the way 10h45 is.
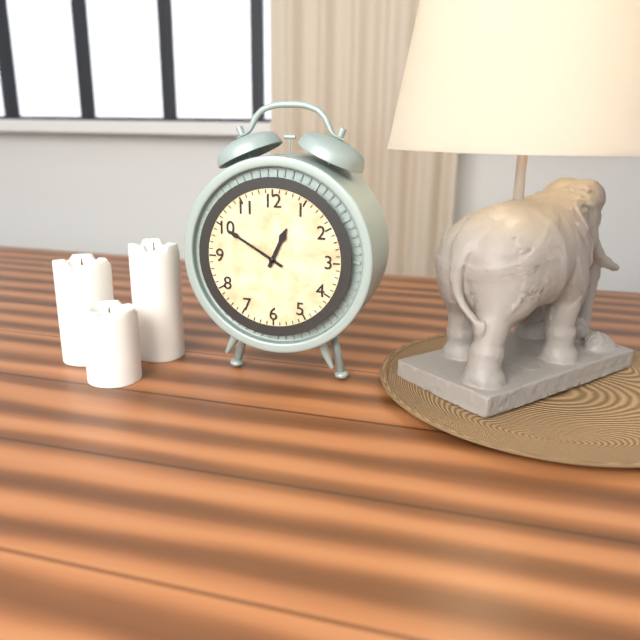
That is 12h50
